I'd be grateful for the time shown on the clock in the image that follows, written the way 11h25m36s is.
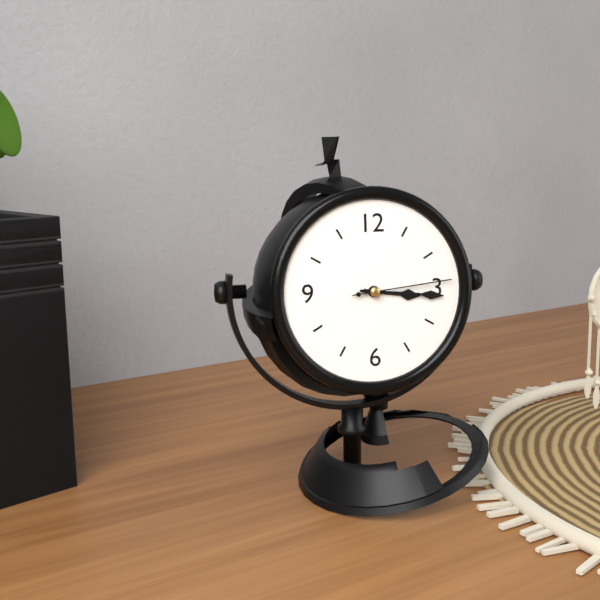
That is 3h16m14s
